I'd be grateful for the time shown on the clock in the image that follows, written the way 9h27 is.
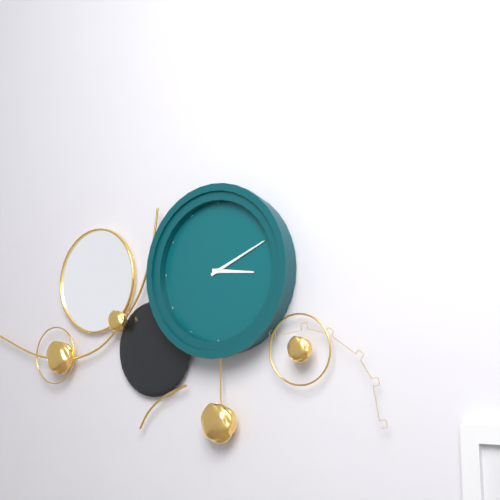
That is 3h11
